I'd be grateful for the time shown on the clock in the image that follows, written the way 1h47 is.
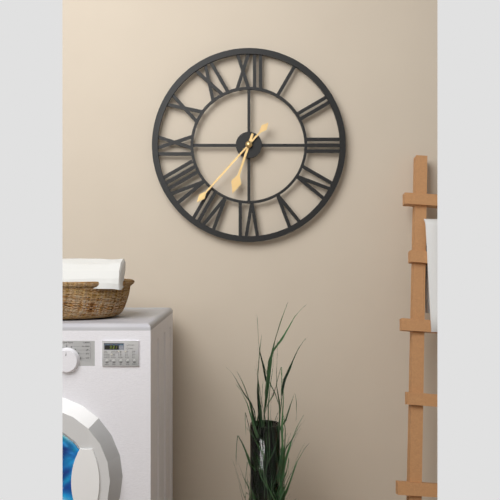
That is 6h37
